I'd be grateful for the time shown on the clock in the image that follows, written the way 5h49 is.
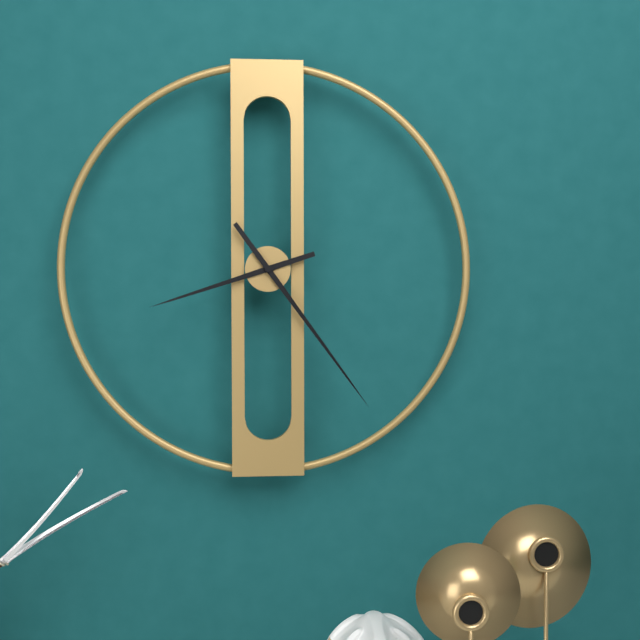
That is 8h24
